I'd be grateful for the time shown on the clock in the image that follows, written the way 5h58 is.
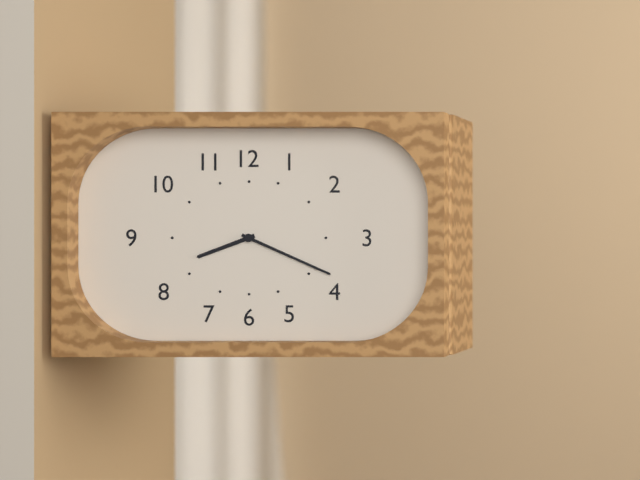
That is 8h19
